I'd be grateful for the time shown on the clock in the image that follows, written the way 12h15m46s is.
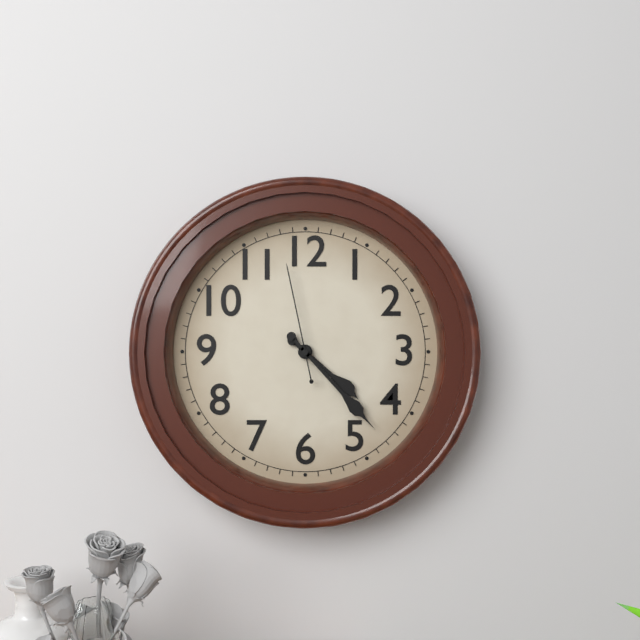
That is 4h23m58s
